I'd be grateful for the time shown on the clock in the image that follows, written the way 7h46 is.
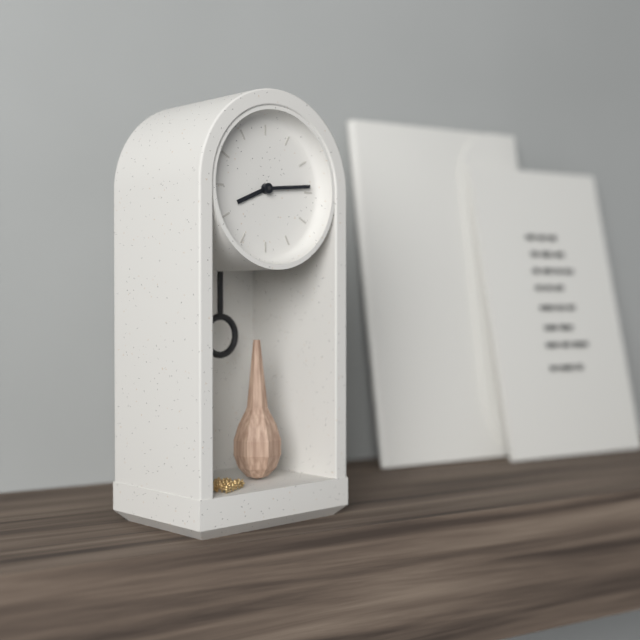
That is 8h14
